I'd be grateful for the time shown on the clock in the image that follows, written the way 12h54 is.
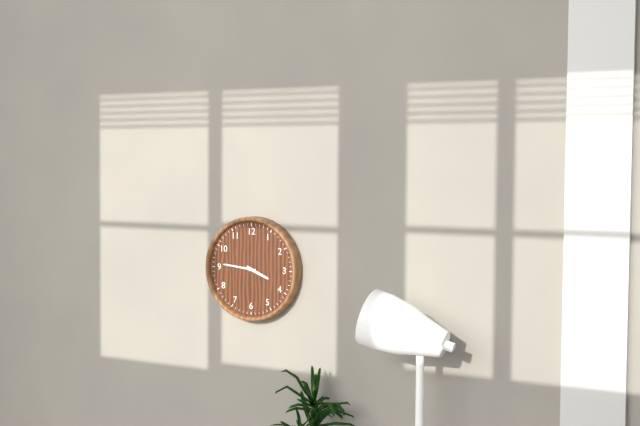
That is 3h46
